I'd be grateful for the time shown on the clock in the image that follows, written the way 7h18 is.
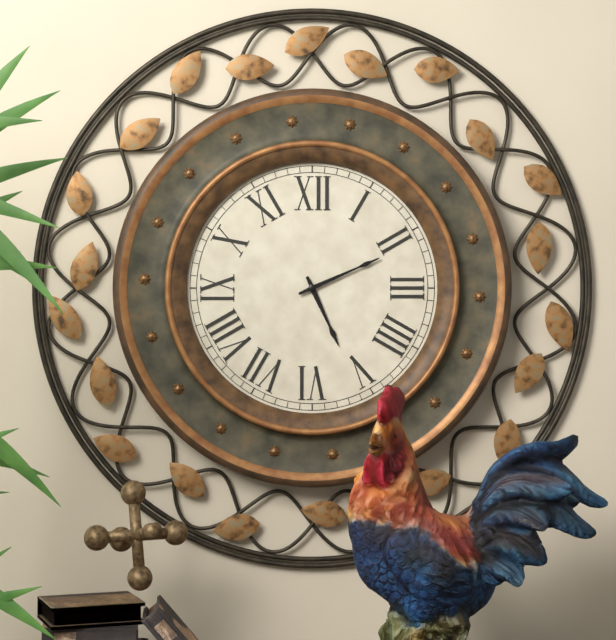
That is 5h11
